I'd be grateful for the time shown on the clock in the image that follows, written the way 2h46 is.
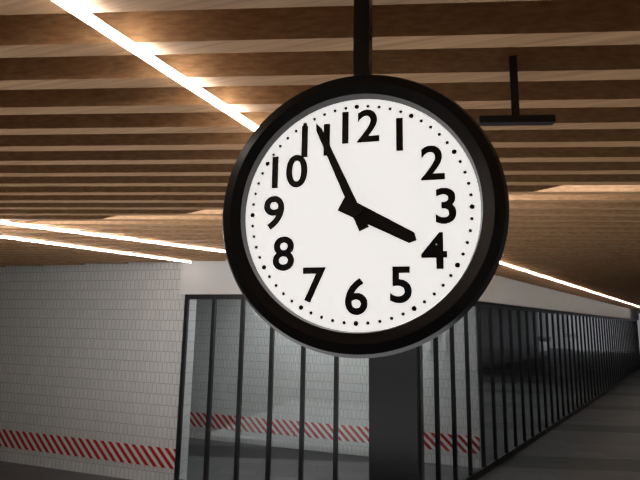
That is 3h56
